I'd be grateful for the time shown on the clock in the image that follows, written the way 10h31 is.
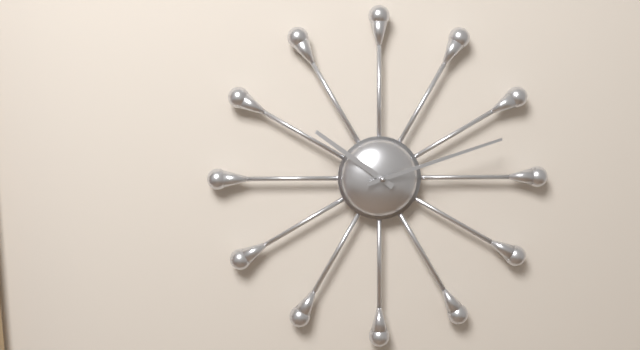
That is 10h12
